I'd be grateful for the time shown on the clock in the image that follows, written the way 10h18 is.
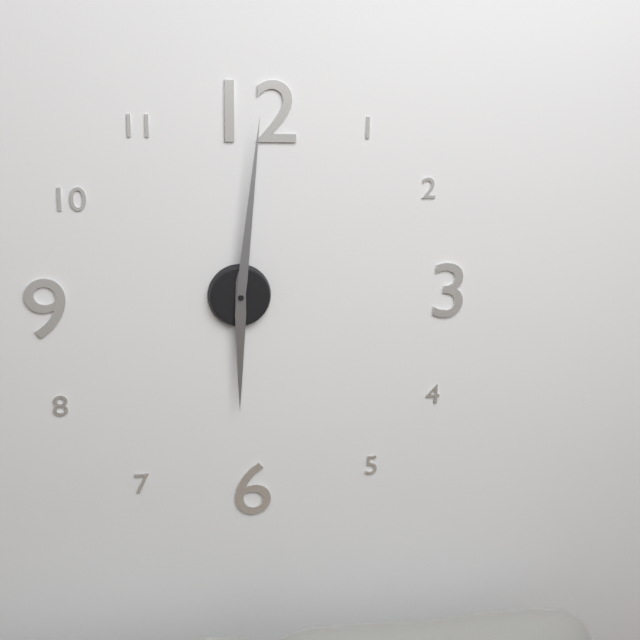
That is 6h01
